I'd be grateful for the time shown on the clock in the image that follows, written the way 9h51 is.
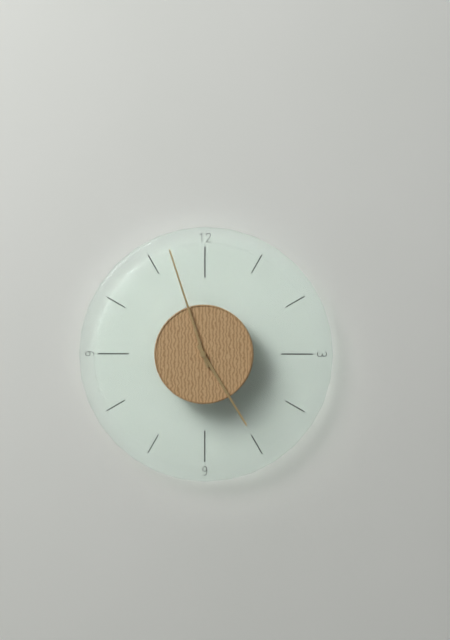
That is 4h57
